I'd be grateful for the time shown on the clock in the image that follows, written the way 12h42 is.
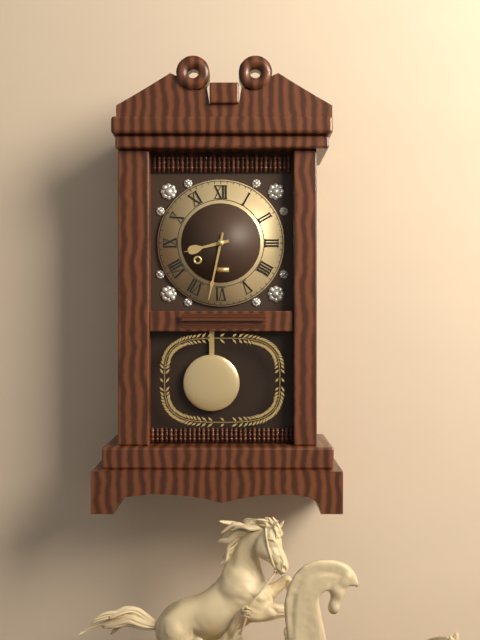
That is 8h32
